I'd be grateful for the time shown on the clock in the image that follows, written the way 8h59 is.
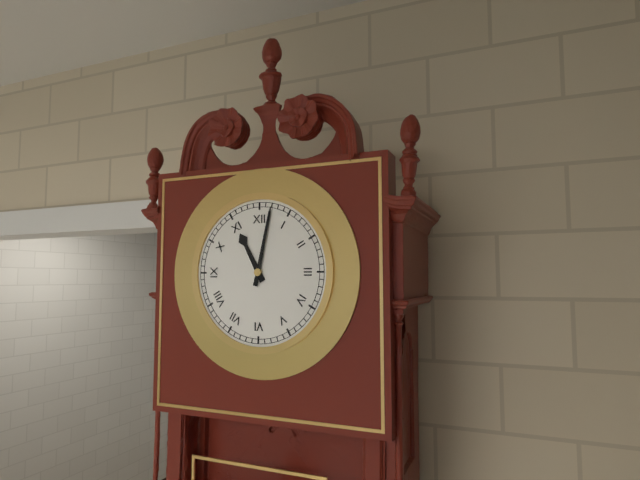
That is 11h02
